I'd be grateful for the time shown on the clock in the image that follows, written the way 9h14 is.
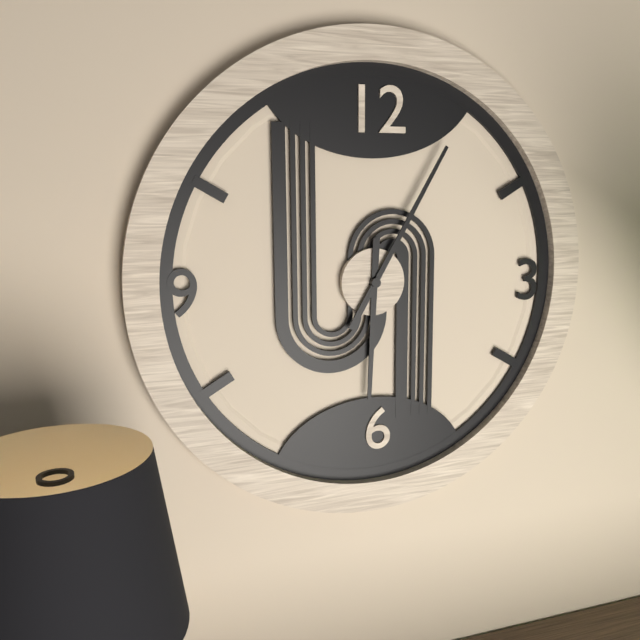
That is 6h05
